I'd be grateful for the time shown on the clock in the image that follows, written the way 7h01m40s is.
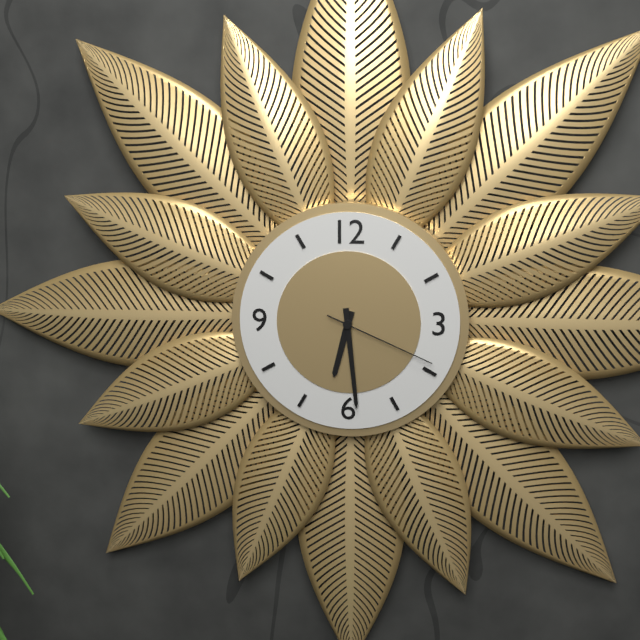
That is 6h29m19s
